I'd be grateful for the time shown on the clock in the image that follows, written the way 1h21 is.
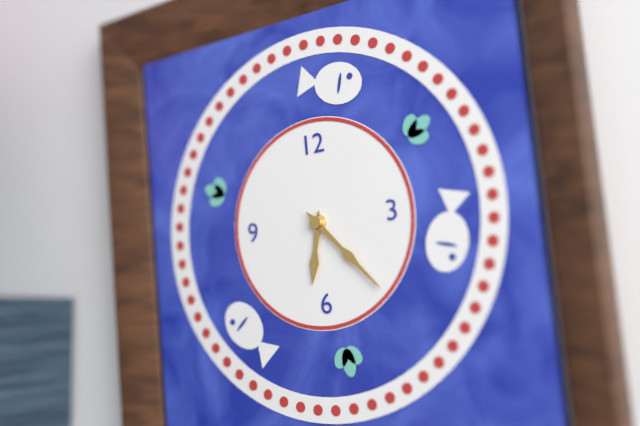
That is 6h23
